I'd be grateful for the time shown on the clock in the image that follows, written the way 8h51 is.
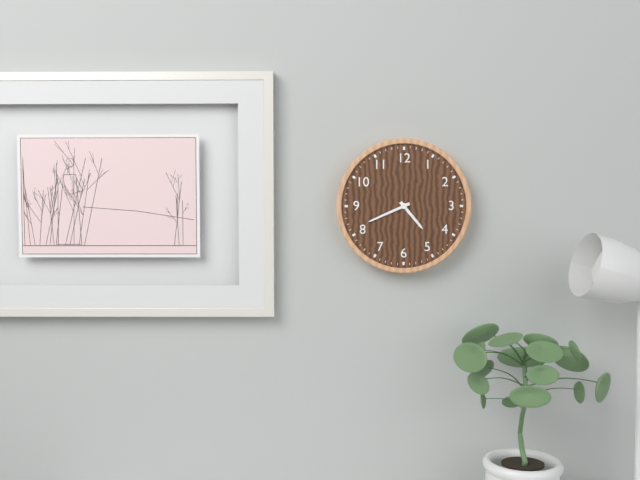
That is 4h41
